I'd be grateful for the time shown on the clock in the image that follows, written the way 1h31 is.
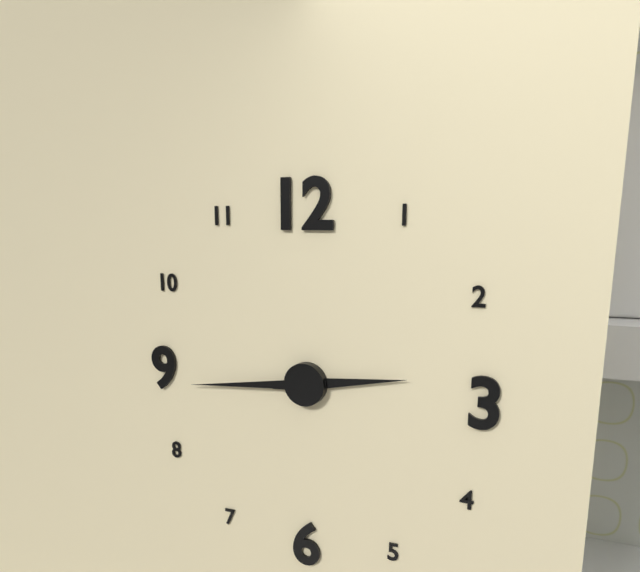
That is 2h44
